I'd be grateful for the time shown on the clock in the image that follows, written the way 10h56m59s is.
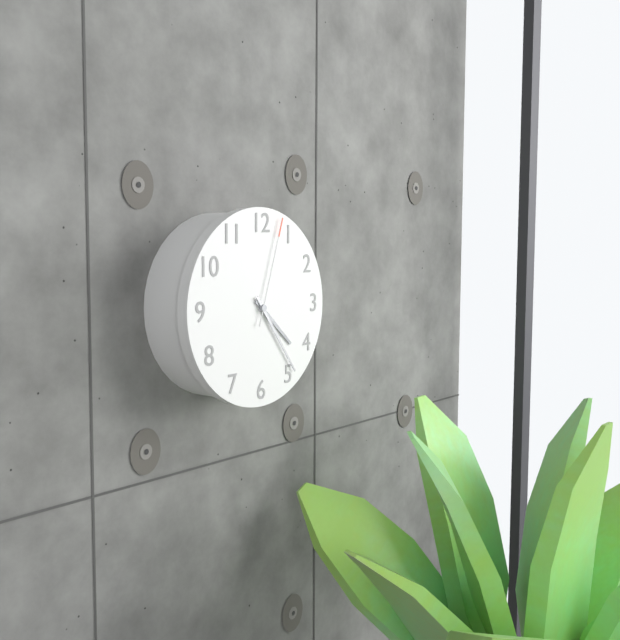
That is 4h24m03s
